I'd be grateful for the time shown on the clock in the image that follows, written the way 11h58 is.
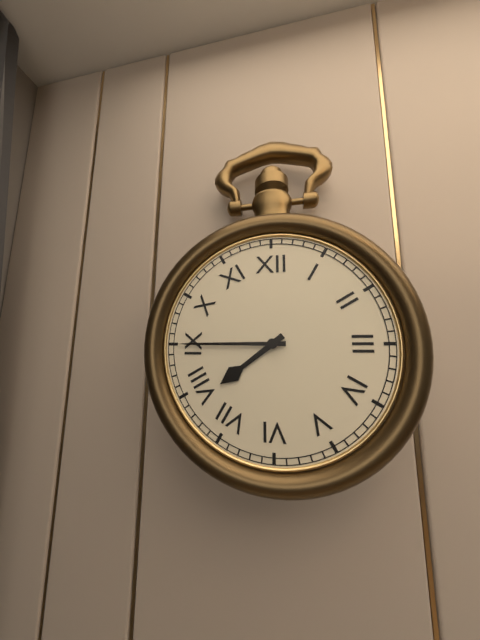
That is 7h45
